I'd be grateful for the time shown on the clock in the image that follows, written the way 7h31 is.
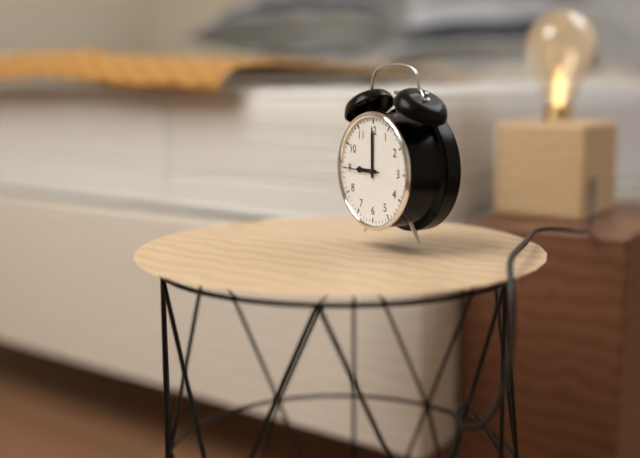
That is 9h00
